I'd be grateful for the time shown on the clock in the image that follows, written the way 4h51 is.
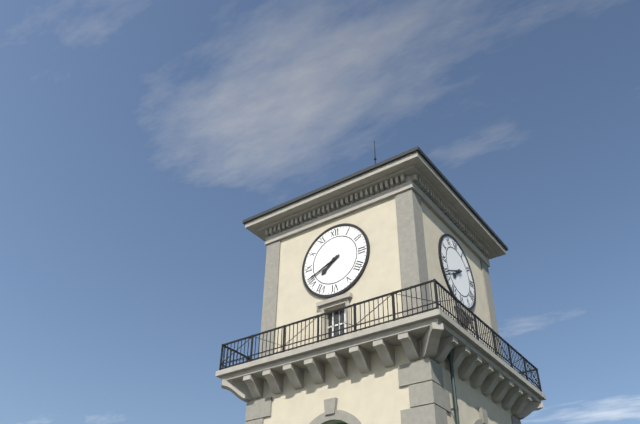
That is 7h41
